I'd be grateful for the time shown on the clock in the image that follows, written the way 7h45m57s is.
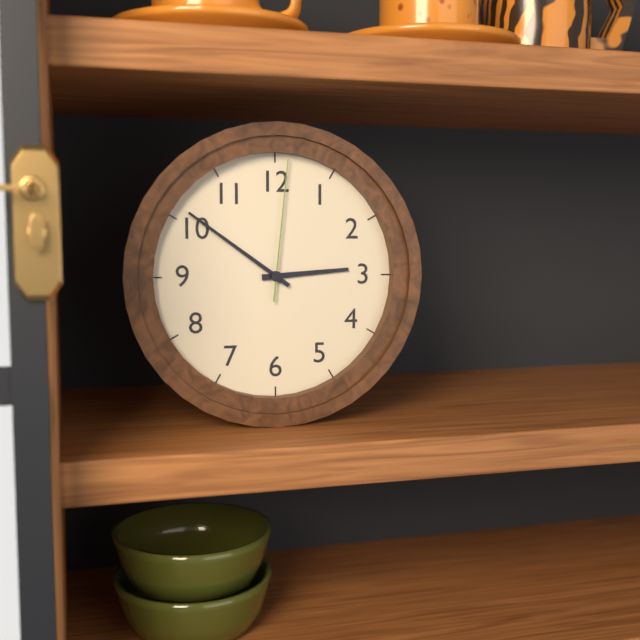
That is 2h51m01s
